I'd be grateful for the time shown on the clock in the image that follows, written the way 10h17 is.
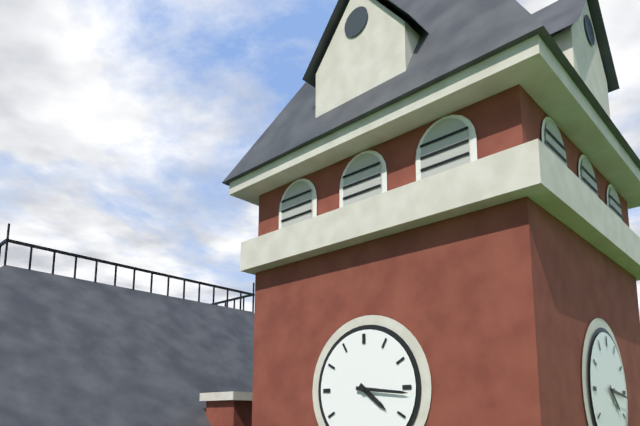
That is 4h16
